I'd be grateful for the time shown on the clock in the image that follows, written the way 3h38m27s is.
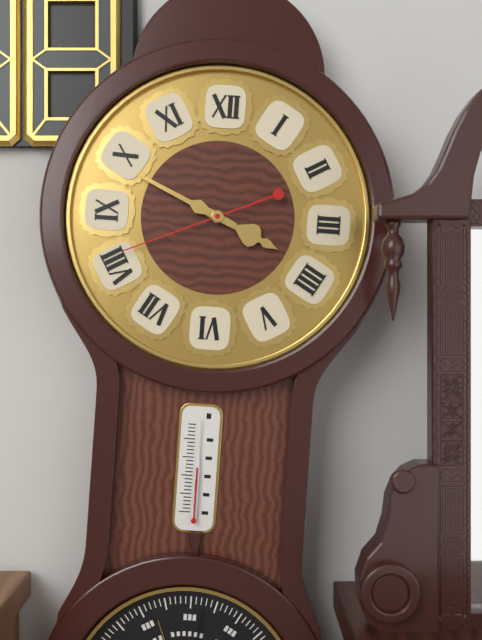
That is 3h49m41s
